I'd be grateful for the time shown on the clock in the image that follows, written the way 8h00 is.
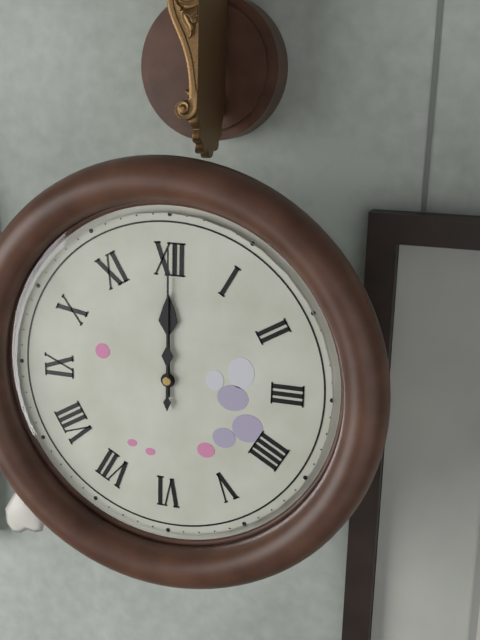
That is 12h00
